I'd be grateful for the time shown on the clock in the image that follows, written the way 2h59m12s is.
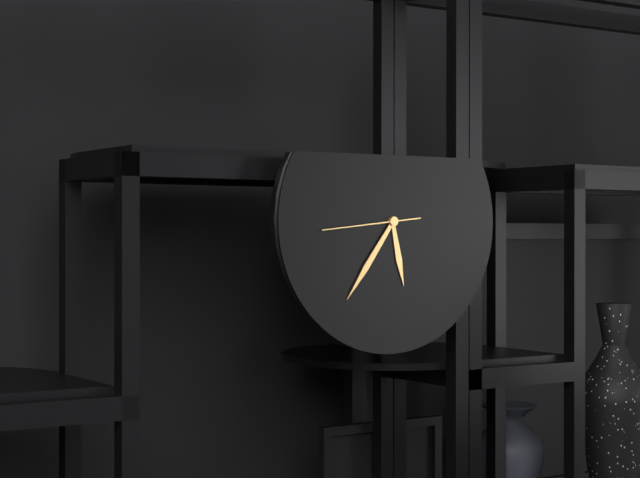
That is 5h36m44s
